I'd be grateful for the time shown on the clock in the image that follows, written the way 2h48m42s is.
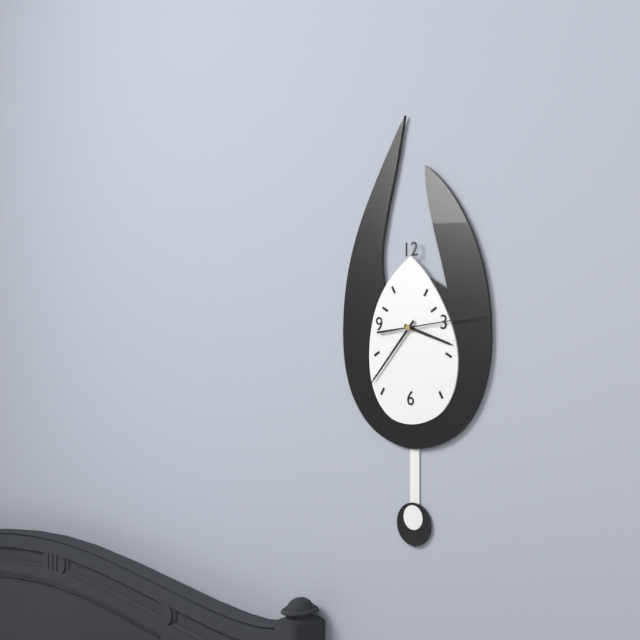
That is 3h37m14s
